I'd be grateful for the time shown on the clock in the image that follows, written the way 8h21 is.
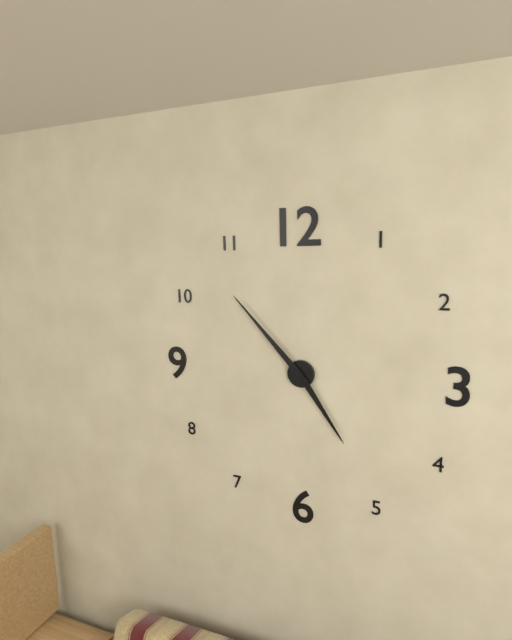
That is 4h53
